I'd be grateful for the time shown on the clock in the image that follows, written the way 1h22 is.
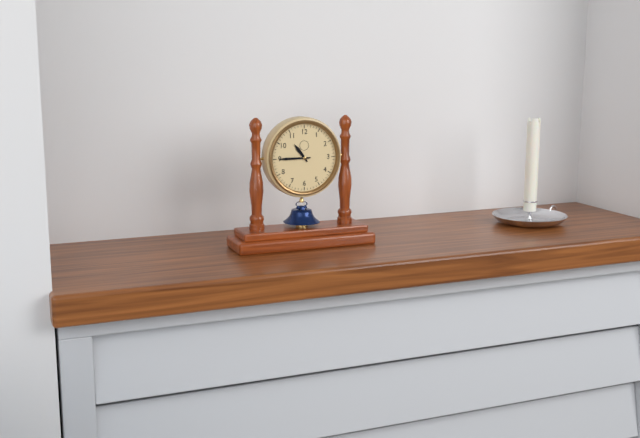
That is 10h45
